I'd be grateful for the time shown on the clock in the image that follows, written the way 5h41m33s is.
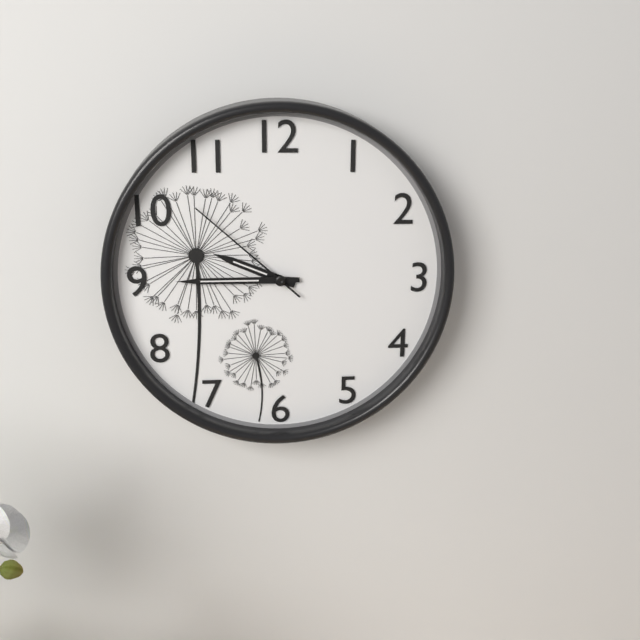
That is 9h45m52s
